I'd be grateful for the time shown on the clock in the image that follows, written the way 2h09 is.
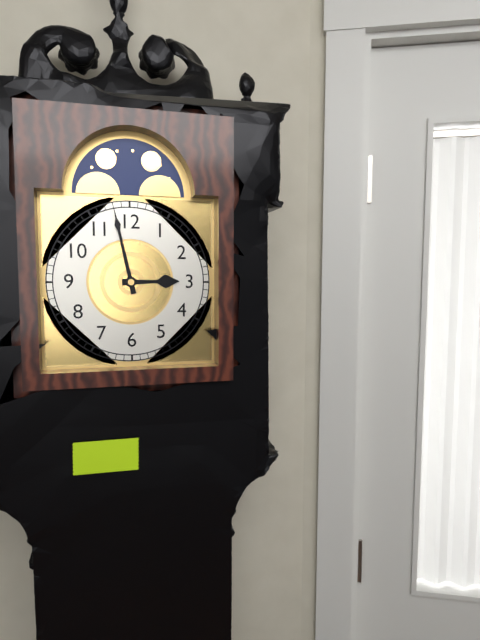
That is 2h58
